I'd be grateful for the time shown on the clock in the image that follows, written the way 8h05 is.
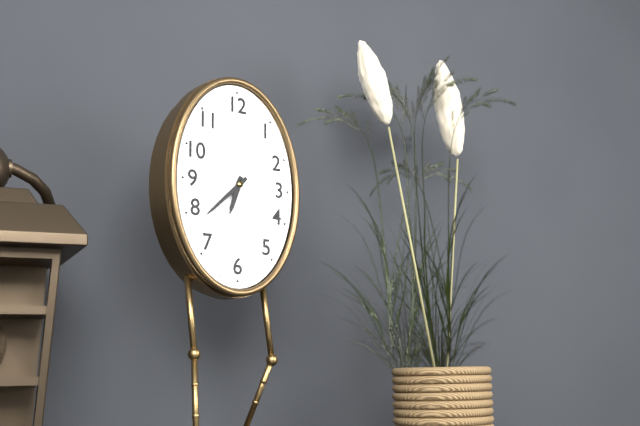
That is 6h38
